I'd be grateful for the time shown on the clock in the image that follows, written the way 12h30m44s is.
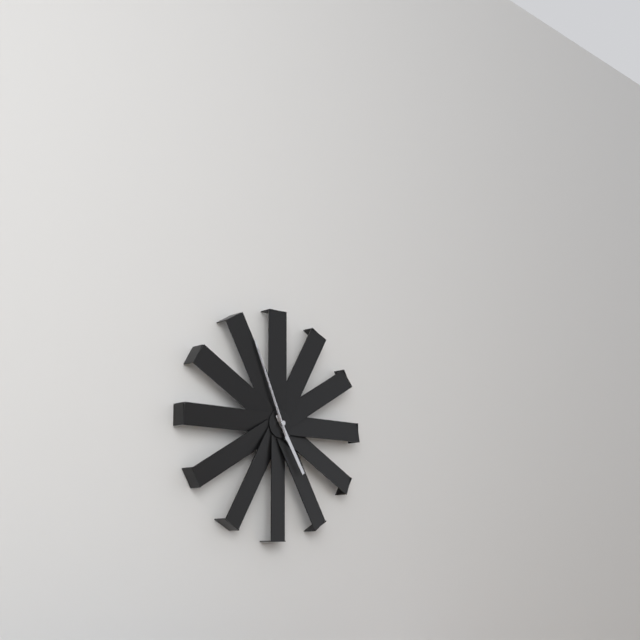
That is 4h56m56s
